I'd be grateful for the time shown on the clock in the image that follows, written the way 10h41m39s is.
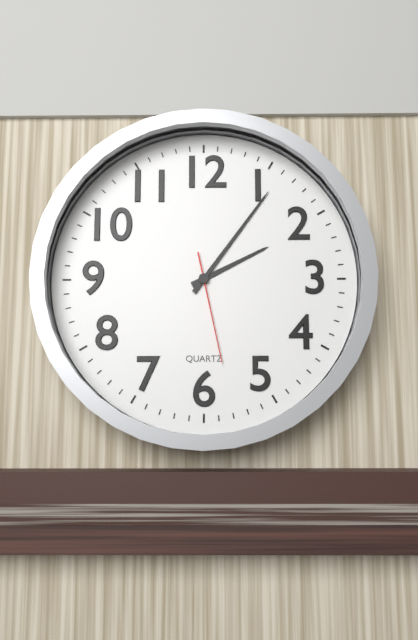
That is 2h06m28s
